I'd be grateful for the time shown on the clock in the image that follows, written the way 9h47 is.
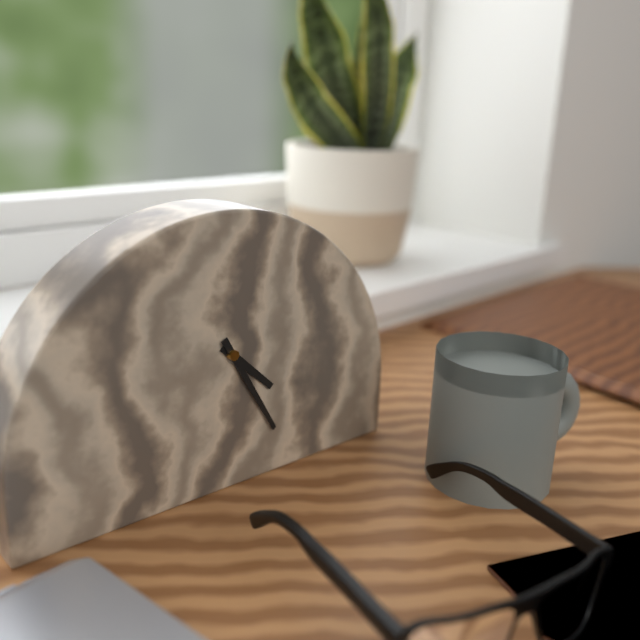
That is 4h25
